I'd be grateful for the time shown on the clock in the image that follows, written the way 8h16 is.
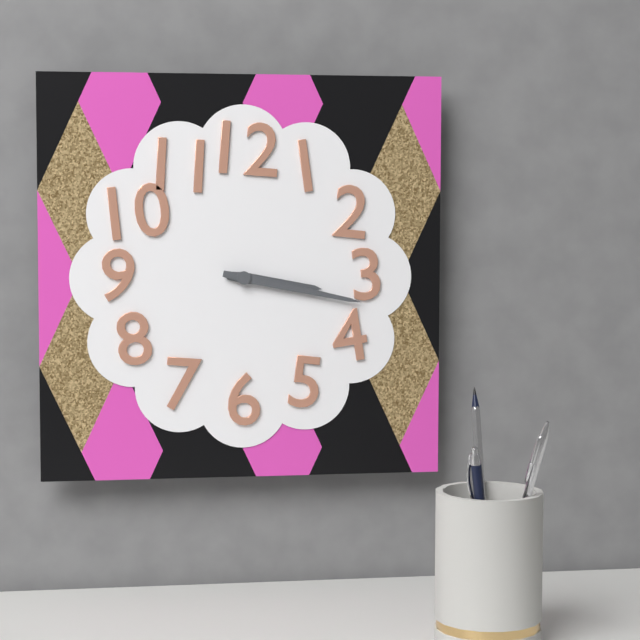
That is 3h17
